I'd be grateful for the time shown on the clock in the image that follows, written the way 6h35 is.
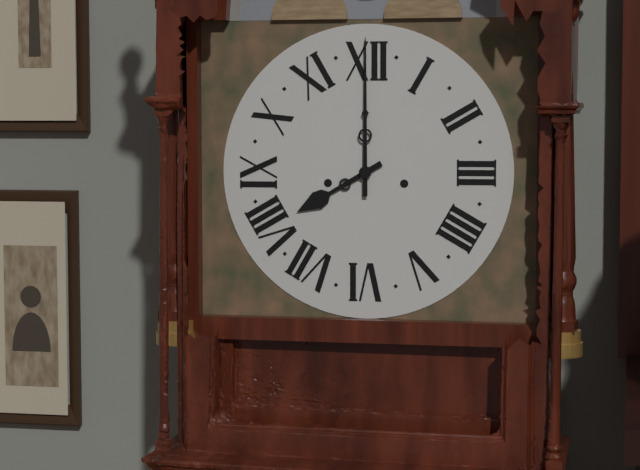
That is 8h00
